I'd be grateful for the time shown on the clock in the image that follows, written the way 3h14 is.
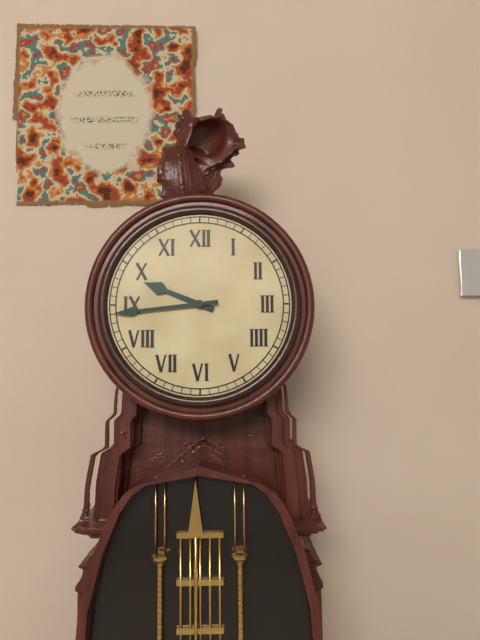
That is 9h44
